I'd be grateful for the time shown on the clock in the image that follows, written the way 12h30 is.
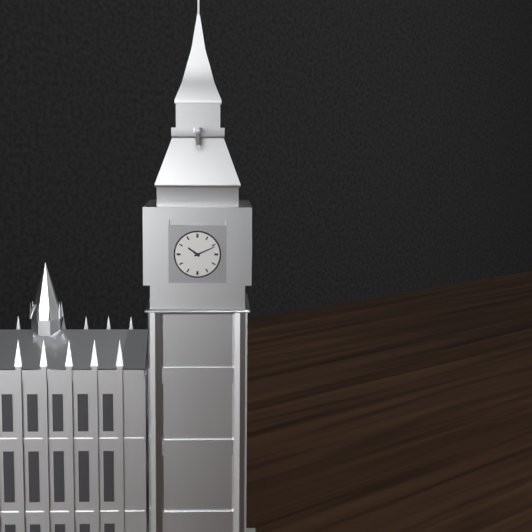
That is 10h11
